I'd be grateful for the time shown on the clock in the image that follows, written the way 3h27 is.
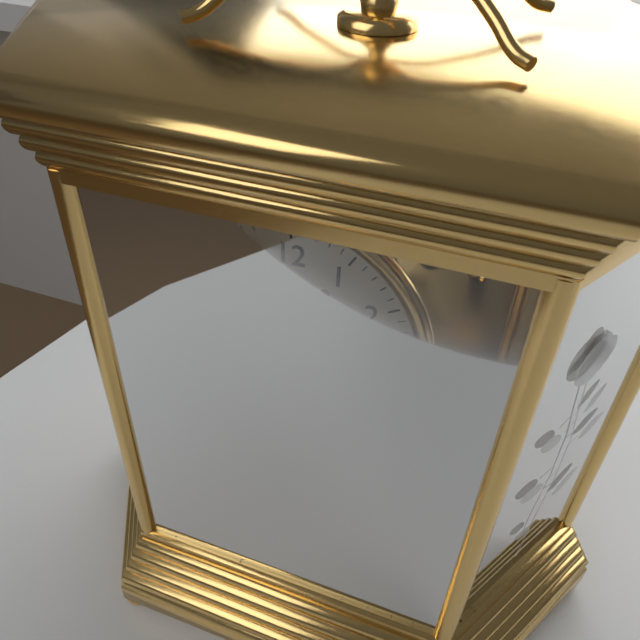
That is 4h44
